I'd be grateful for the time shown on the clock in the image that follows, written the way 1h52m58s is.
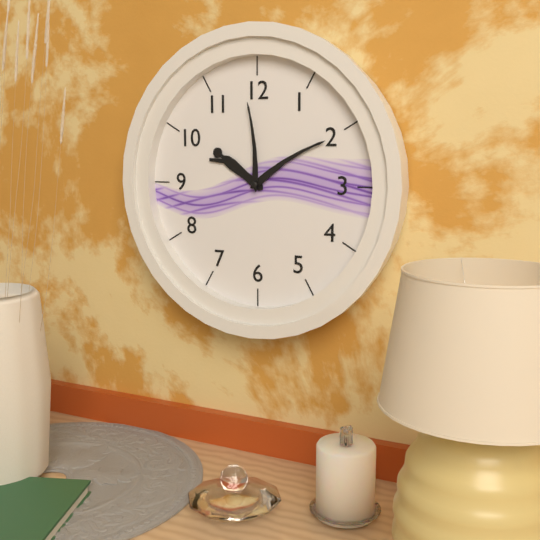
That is 10h10m59s
